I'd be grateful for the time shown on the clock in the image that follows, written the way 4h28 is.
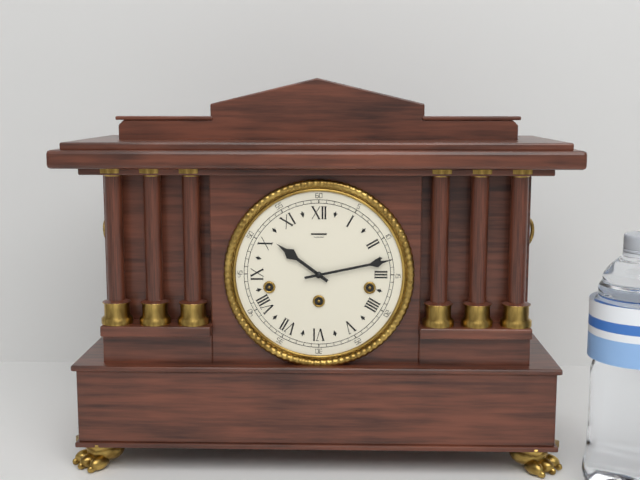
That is 10h13
